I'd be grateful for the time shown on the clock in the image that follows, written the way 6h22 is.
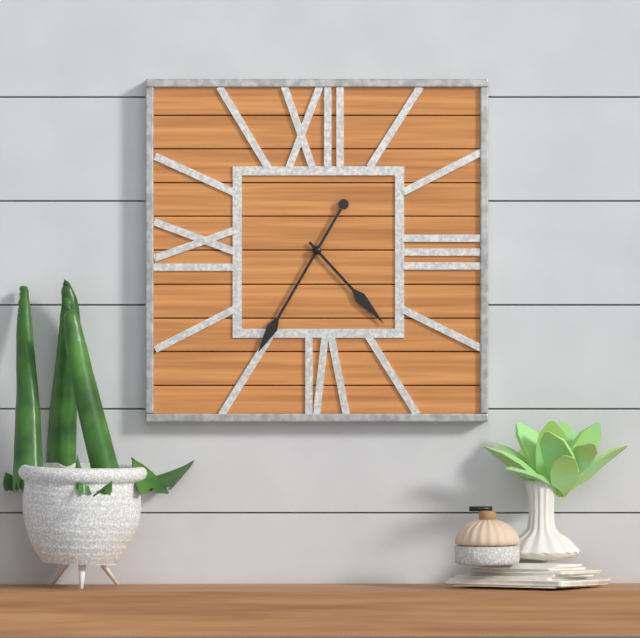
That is 4h35
